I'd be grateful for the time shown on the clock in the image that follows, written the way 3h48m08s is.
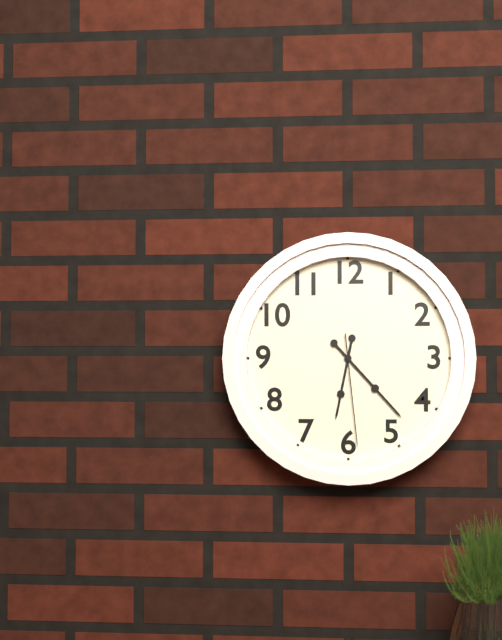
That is 6h23m29s
